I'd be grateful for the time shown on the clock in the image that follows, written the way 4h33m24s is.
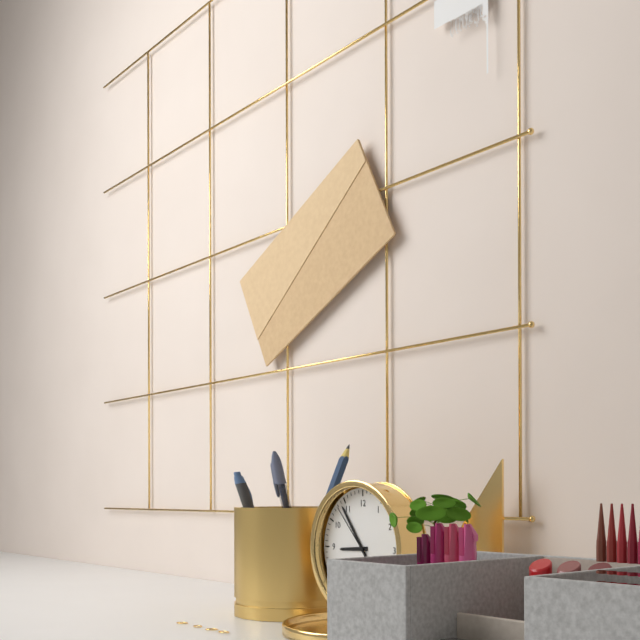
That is 8h54m53s
